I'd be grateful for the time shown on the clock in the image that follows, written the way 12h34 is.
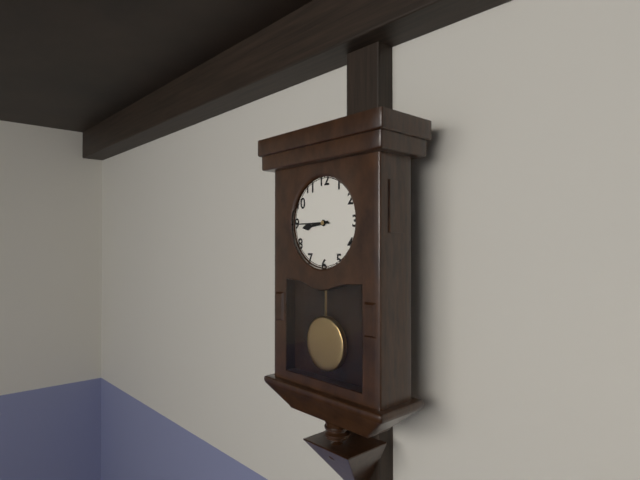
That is 8h45
